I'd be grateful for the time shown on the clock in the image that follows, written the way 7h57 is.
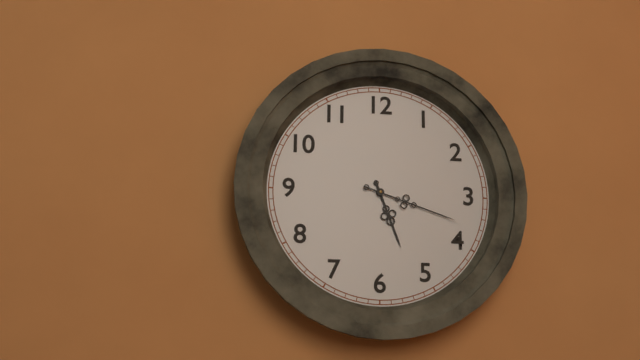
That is 5h18
